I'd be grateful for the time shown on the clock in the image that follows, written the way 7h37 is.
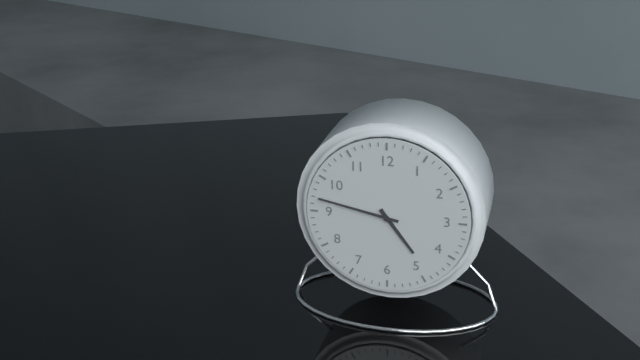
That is 4h47
